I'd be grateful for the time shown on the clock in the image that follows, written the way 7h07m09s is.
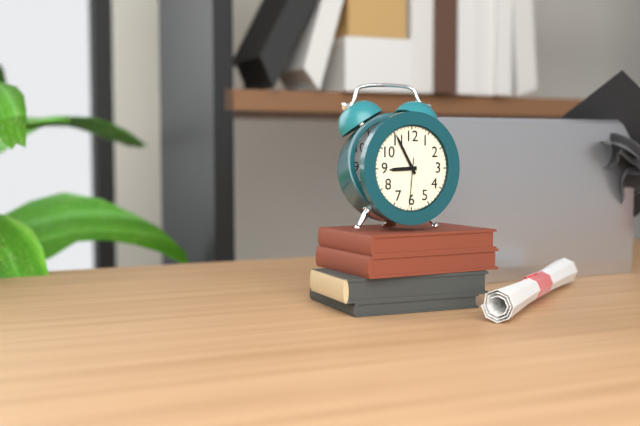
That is 8h55m31s
